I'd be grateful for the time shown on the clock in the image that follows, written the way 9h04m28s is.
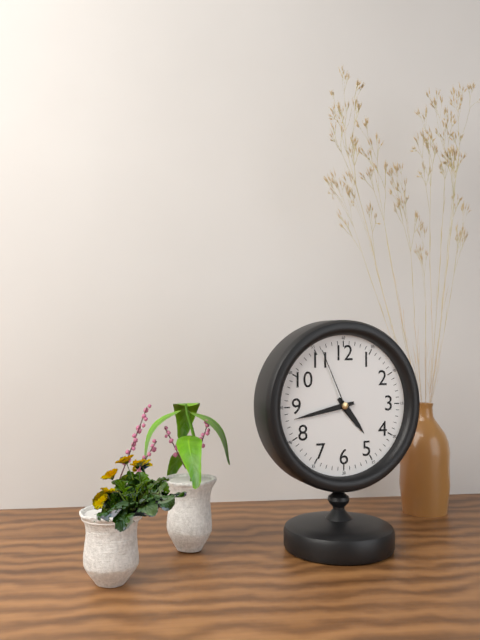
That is 4h43m56s
